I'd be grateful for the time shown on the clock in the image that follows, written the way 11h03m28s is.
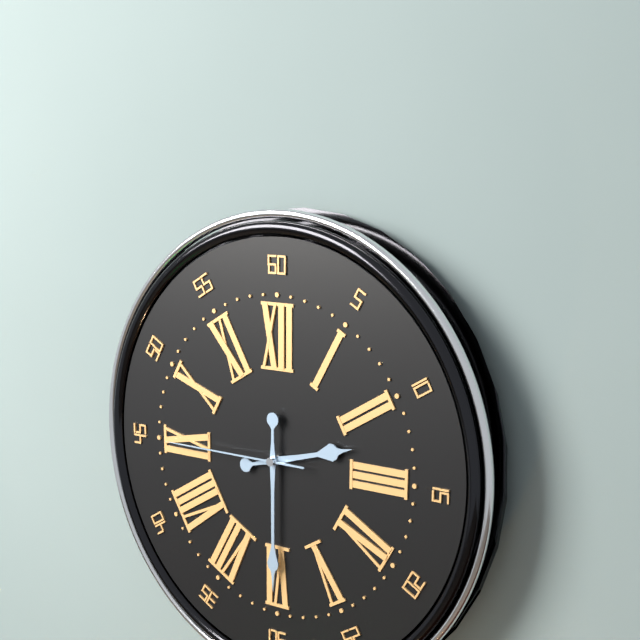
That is 2h30m45s
